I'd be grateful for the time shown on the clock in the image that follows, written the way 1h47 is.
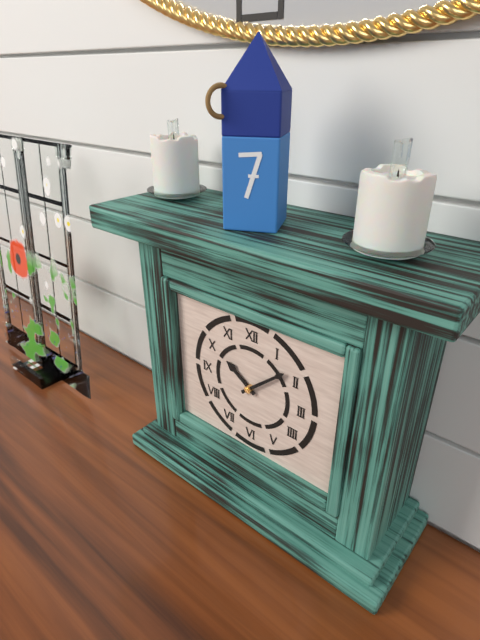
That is 10h08
